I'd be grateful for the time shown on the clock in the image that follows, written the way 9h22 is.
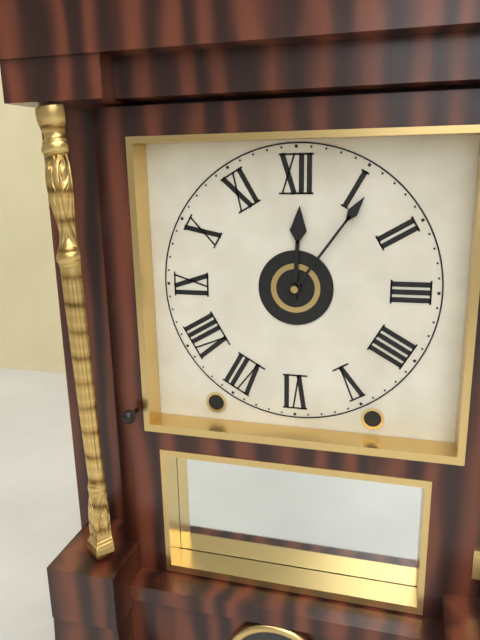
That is 12h06
